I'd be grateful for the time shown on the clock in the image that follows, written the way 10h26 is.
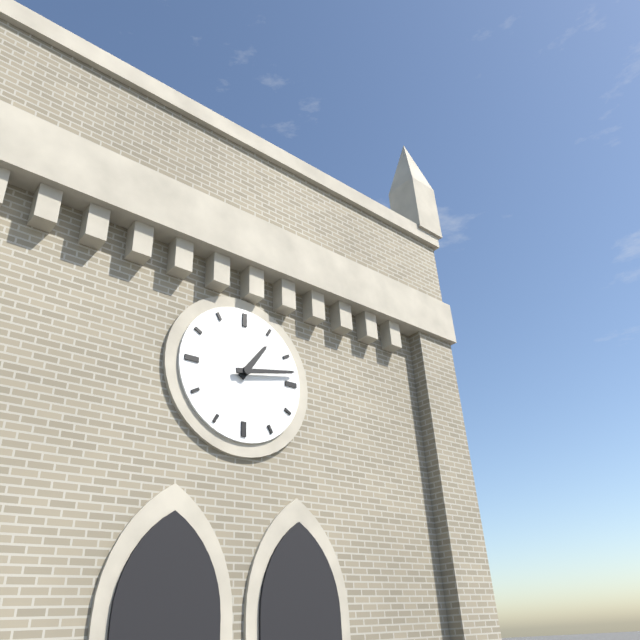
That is 1h13
